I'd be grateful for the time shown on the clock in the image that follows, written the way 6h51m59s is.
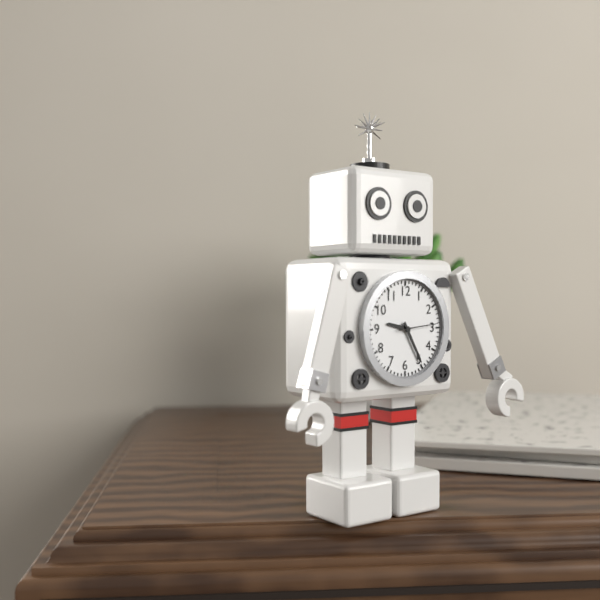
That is 9h25m14s
